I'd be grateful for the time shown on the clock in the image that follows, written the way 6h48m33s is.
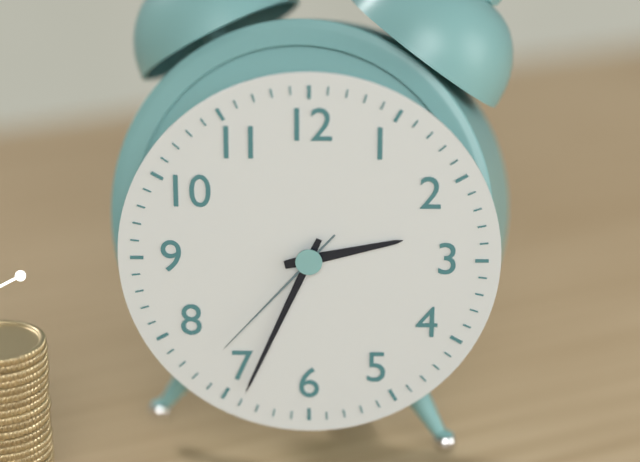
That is 2h34m37s
